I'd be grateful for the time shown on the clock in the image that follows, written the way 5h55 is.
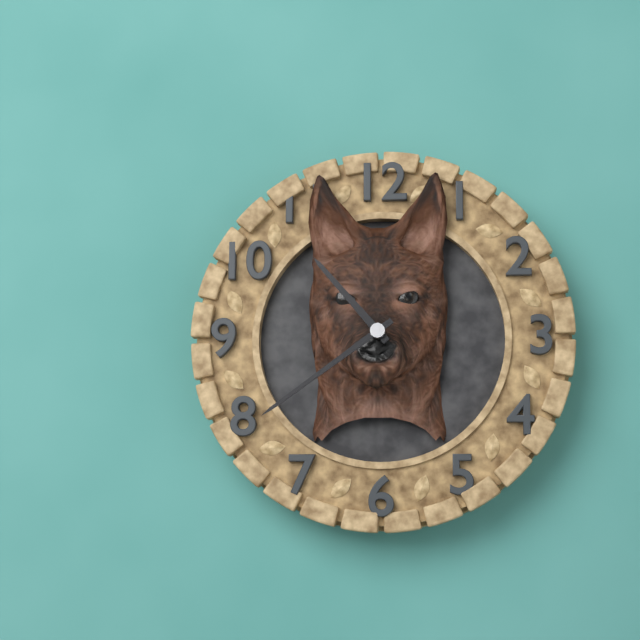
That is 10h39
